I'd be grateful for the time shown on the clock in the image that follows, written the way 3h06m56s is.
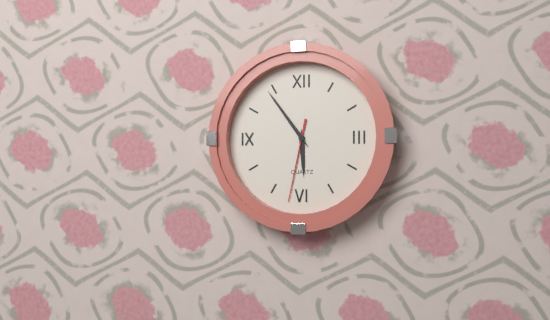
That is 5h54m32s
